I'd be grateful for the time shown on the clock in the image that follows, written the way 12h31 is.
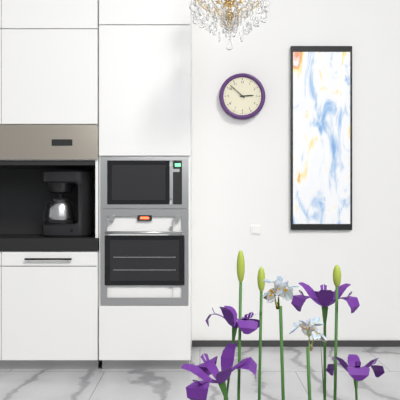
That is 2h52
